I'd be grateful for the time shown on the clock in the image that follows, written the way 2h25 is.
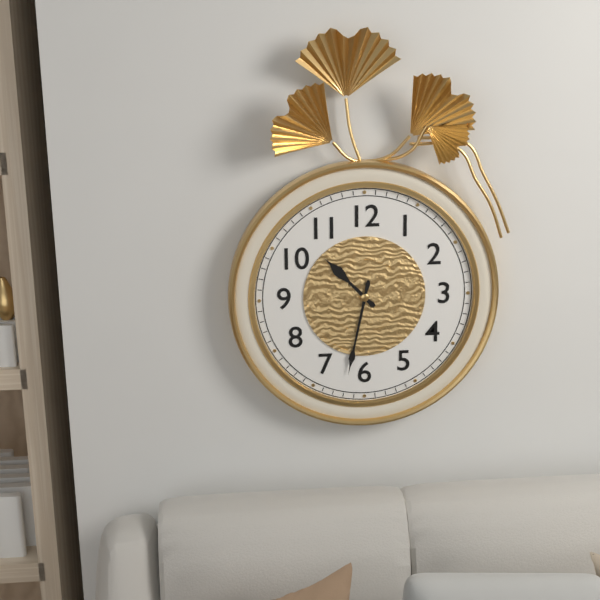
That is 10h32
